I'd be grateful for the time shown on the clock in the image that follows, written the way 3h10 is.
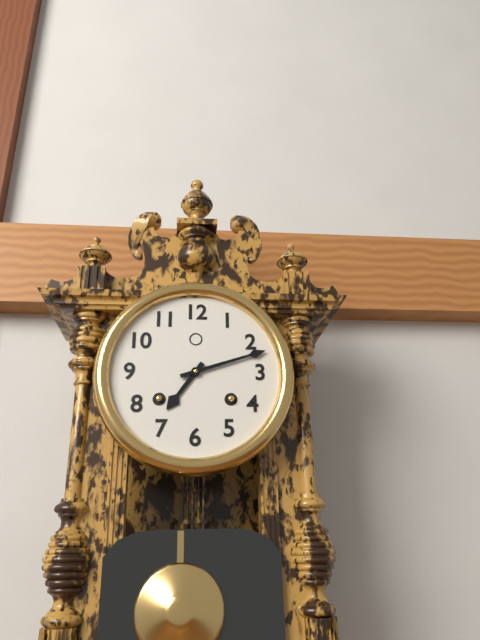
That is 7h12
